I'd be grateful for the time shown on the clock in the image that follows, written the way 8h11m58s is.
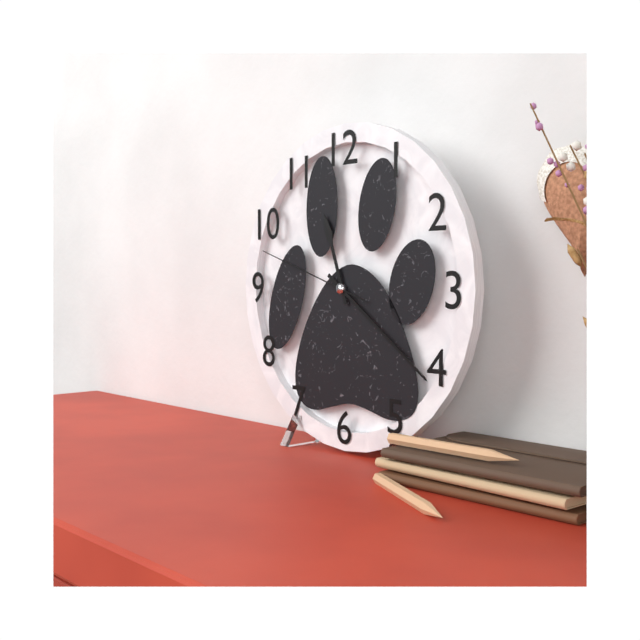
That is 11h21m48s
